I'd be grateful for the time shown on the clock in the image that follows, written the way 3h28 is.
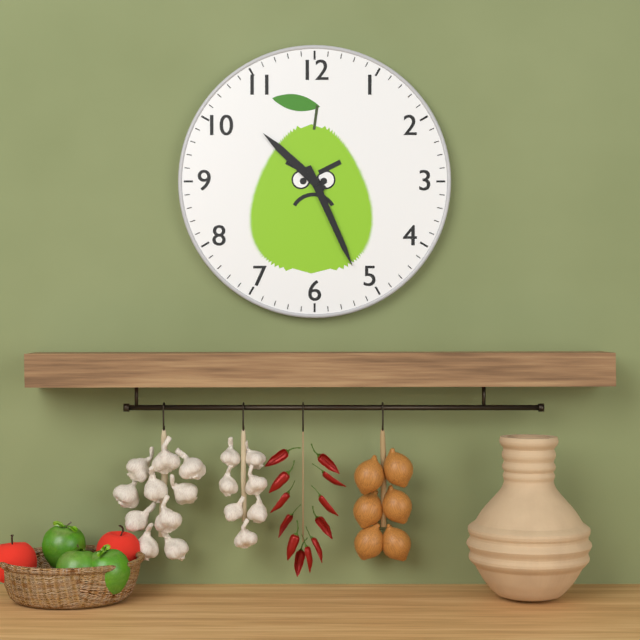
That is 10h26
